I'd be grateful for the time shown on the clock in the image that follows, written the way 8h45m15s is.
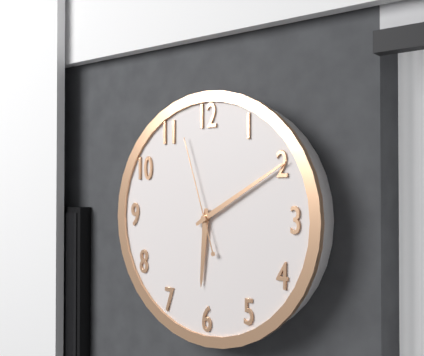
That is 6h10m57s
